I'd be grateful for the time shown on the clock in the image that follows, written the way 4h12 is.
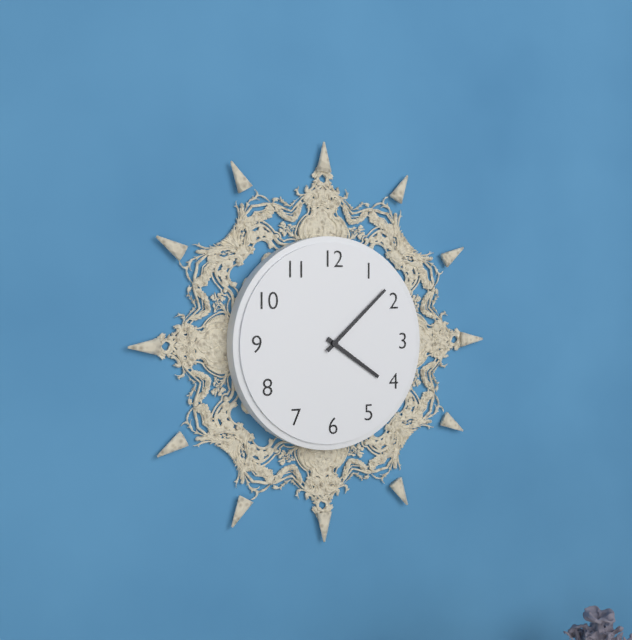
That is 4h08
